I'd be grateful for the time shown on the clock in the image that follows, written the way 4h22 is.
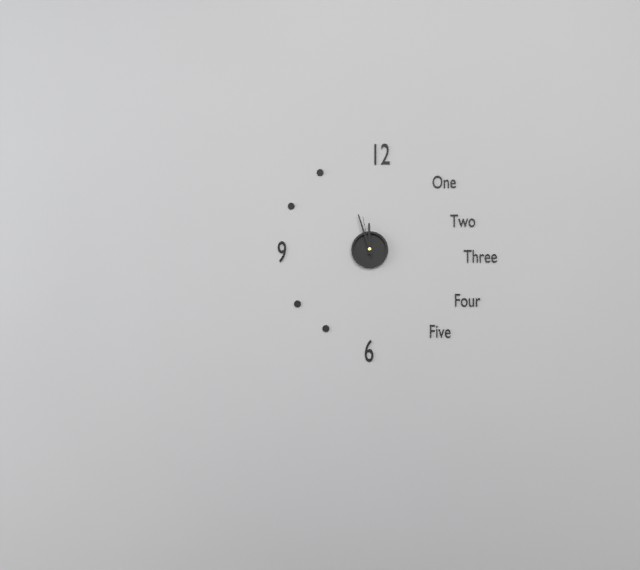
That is 11h57
